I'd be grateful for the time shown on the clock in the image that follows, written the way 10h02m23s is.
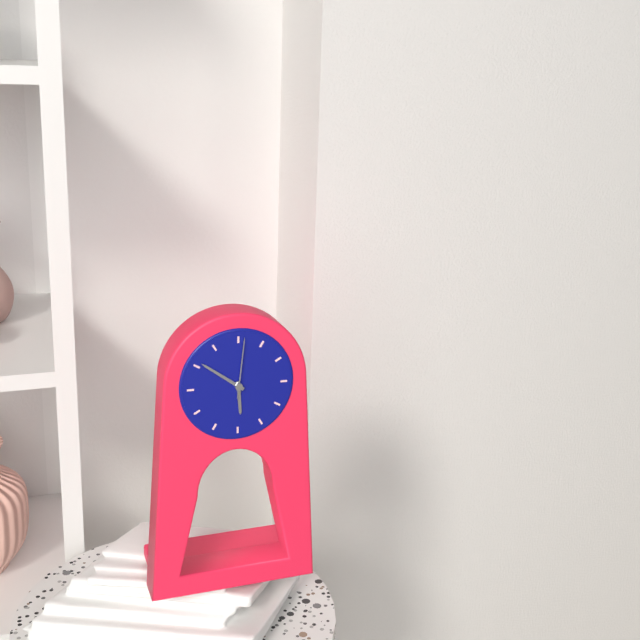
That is 5h51m01s
